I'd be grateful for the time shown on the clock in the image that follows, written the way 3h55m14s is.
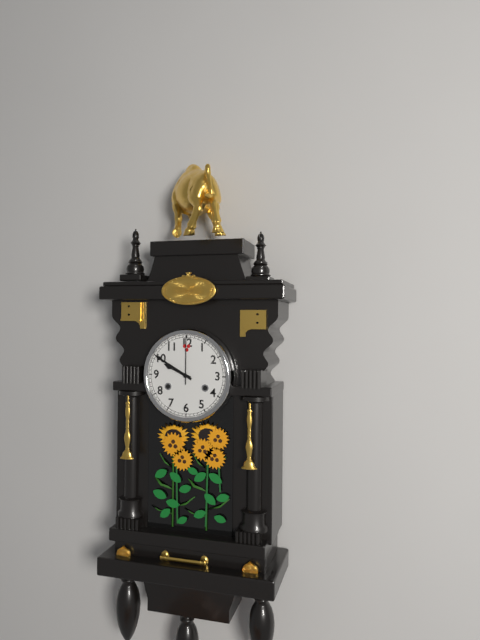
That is 9h50m00s
